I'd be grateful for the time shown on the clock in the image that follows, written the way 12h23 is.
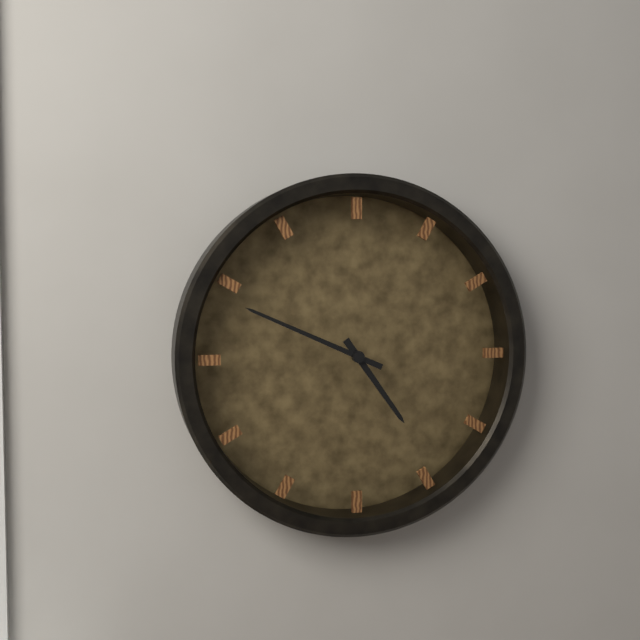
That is 4h49
